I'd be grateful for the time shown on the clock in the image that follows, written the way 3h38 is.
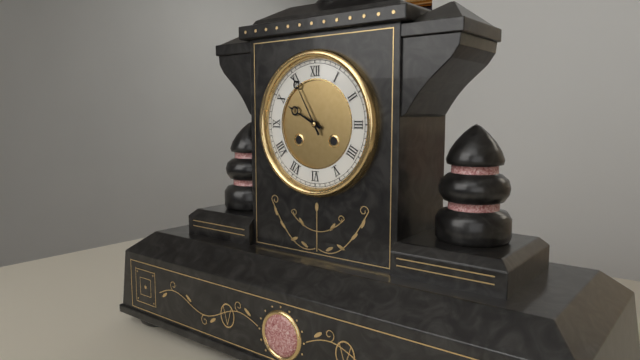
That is 9h55
